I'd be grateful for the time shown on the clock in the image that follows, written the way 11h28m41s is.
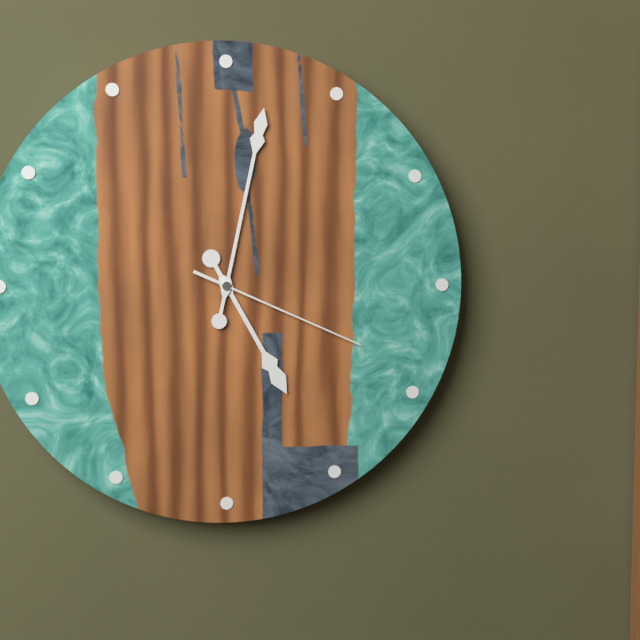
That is 5h02m19s
